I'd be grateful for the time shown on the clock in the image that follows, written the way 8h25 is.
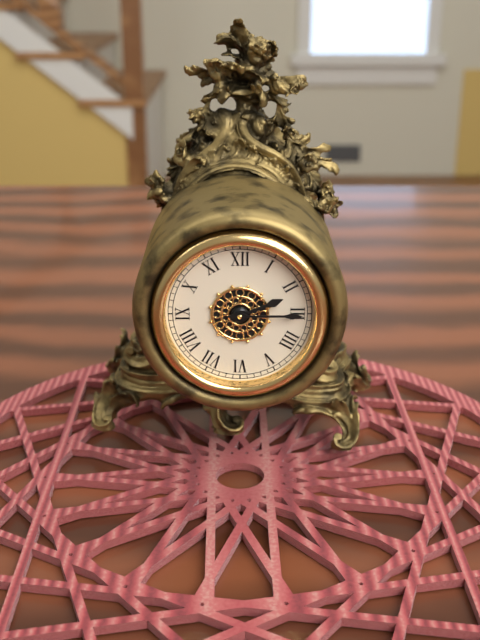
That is 2h15
